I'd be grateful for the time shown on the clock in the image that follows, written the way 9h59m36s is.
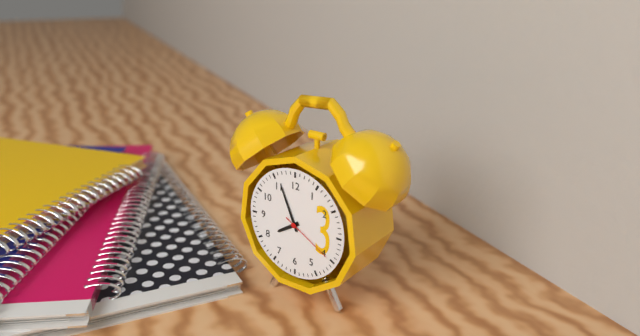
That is 7h56m20s
